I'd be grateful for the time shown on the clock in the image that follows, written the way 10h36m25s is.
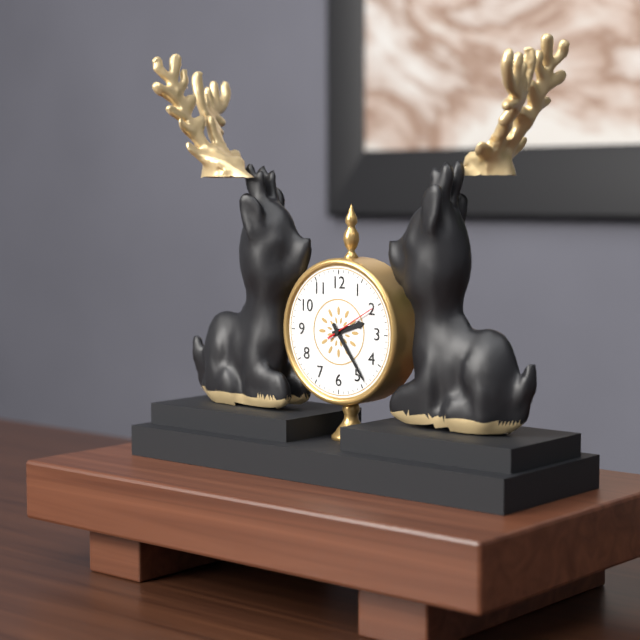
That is 2h24m10s
